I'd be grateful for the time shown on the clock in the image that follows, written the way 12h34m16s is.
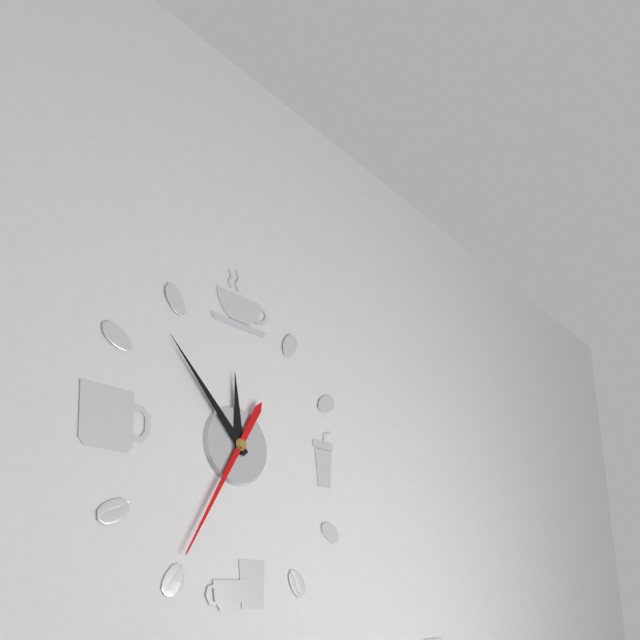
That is 11h53m35s
